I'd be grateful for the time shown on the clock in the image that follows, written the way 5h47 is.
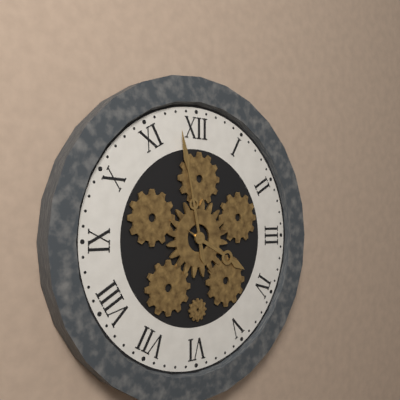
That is 3h58
